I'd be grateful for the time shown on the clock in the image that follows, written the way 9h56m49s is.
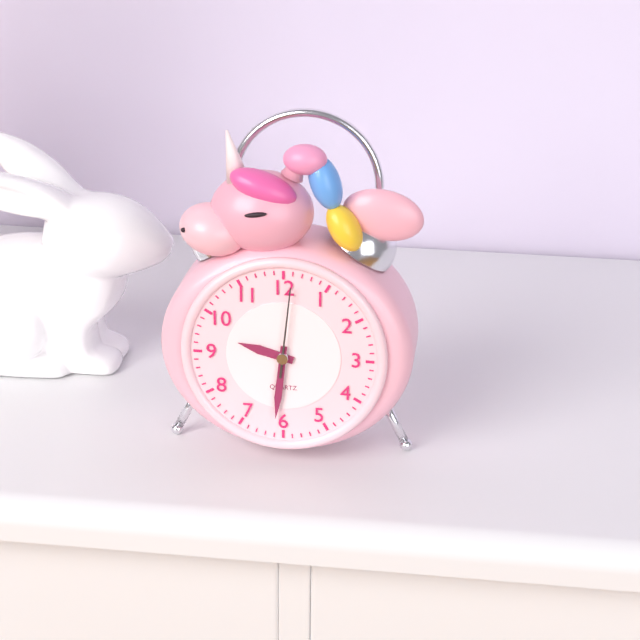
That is 9h31m01s
